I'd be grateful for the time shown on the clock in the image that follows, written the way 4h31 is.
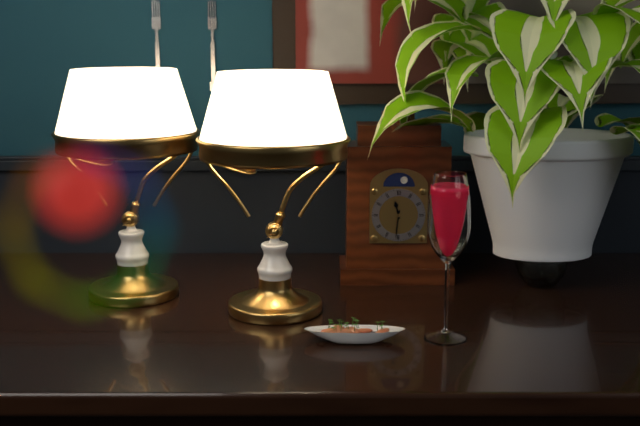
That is 11h31
